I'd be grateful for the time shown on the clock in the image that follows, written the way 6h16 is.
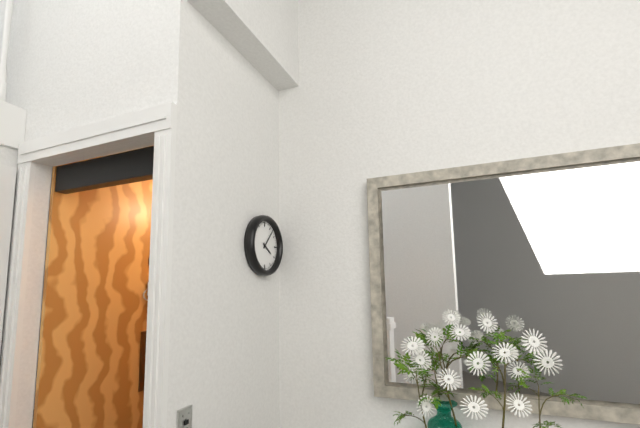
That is 4h07
